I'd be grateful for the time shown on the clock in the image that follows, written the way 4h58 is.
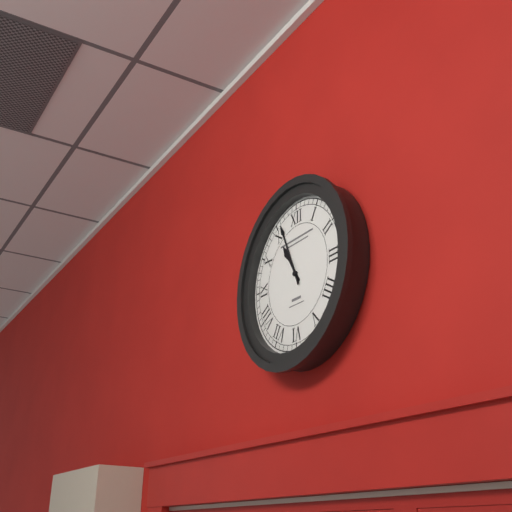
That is 10h56
